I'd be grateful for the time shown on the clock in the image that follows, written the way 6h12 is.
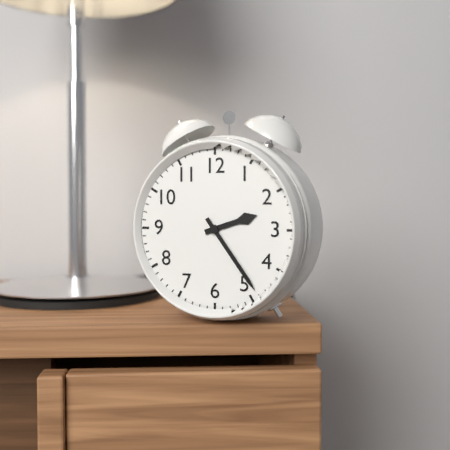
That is 2h24
